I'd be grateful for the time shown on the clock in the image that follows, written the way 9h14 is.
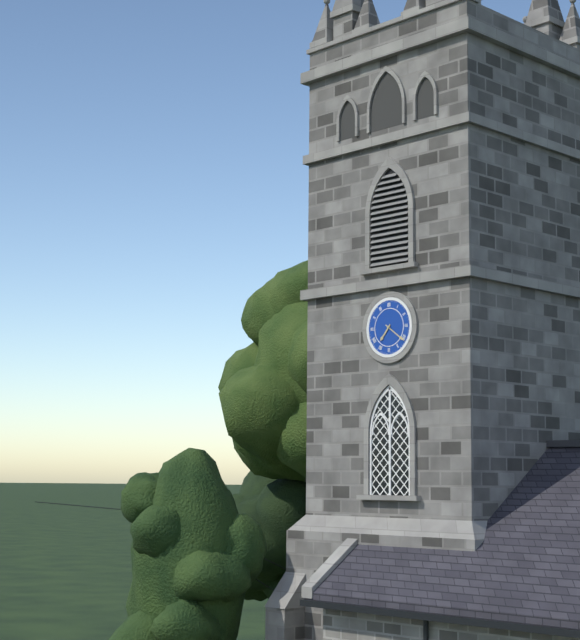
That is 7h21
